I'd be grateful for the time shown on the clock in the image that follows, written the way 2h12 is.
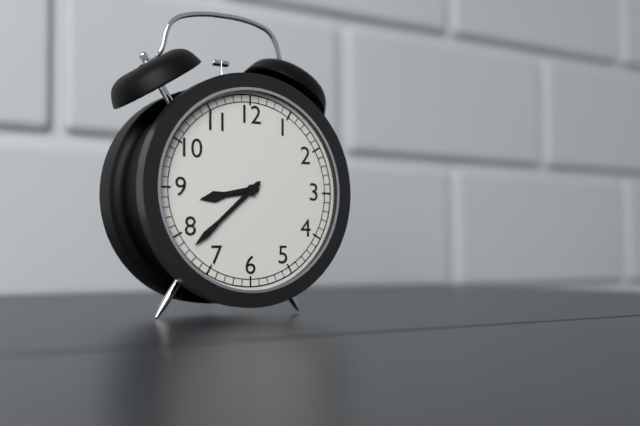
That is 8h38
